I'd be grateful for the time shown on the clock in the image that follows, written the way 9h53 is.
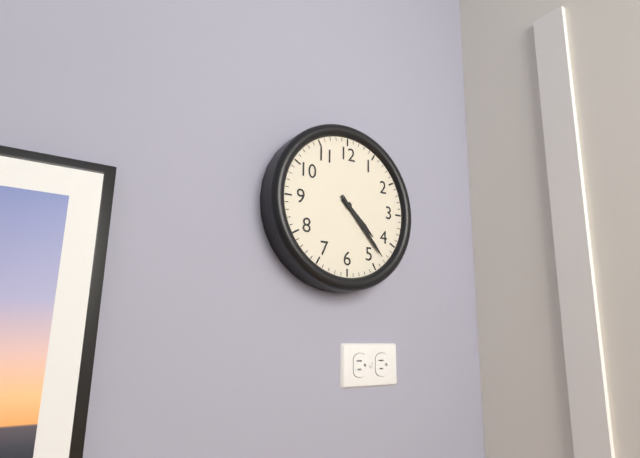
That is 4h23
